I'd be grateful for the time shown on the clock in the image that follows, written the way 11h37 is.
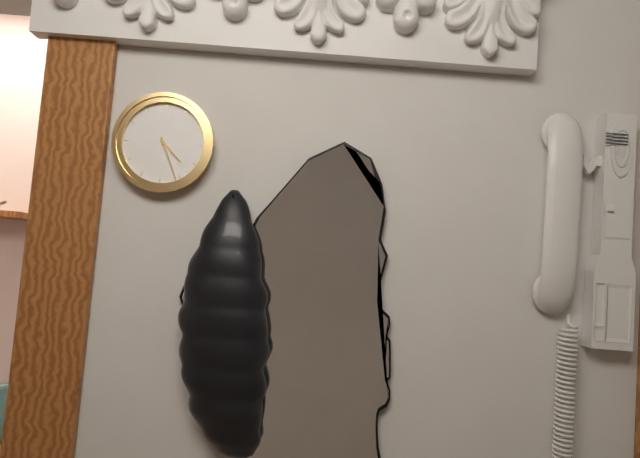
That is 4h26
